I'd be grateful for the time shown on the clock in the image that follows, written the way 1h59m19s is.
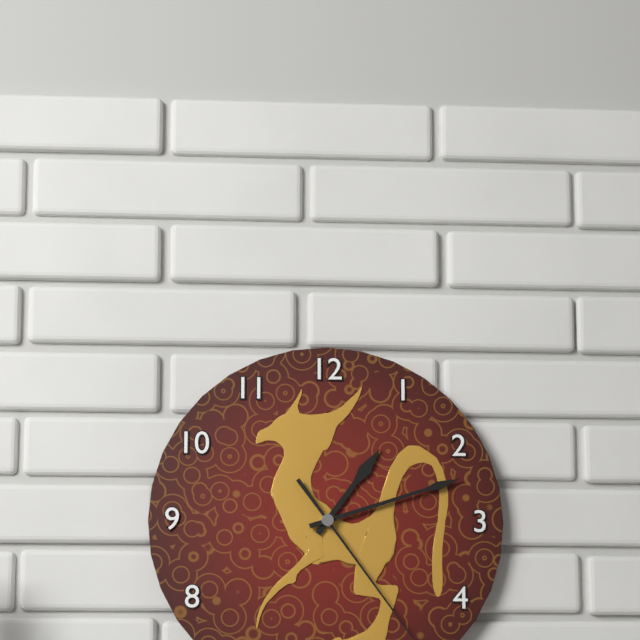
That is 1h12m24s
